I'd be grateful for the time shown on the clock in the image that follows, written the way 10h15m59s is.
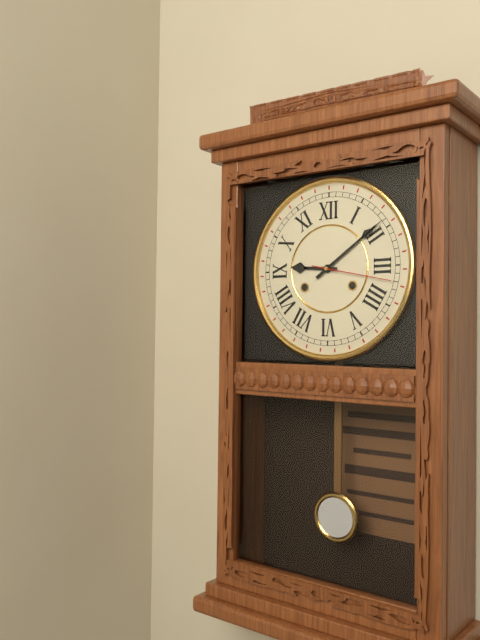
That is 9h09m17s
